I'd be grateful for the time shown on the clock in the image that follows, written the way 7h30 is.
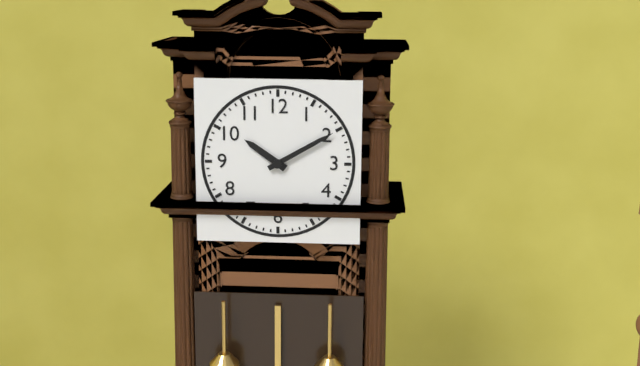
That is 10h10
